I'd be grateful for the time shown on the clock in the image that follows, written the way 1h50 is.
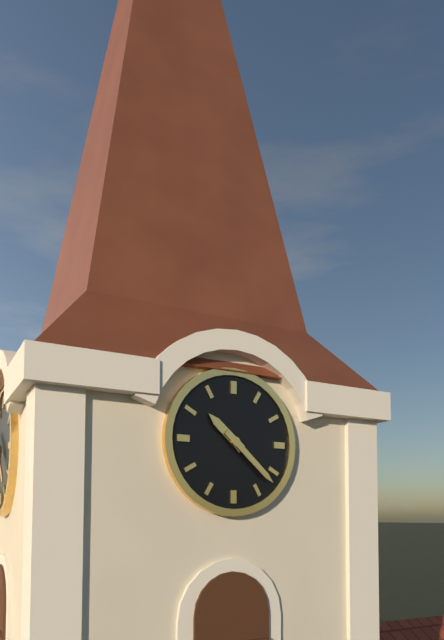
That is 10h22
